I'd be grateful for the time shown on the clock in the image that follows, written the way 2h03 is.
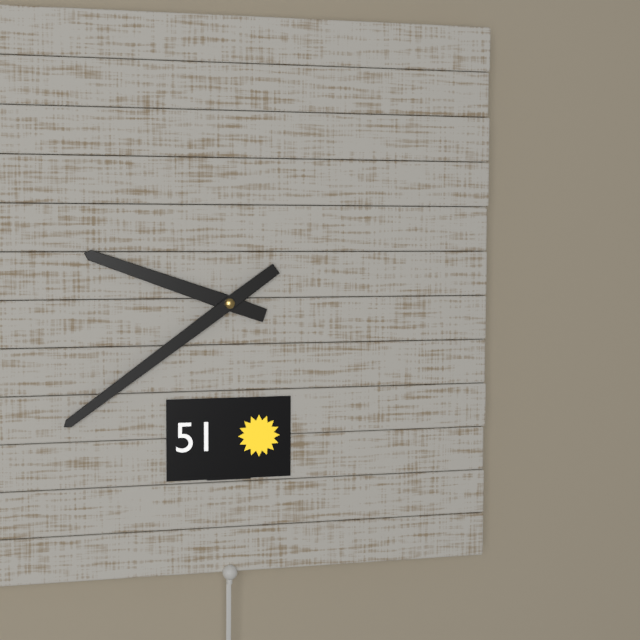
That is 9h39
